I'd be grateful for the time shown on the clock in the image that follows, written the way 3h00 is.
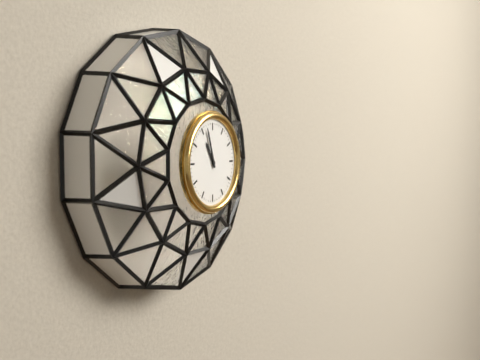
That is 10h57
